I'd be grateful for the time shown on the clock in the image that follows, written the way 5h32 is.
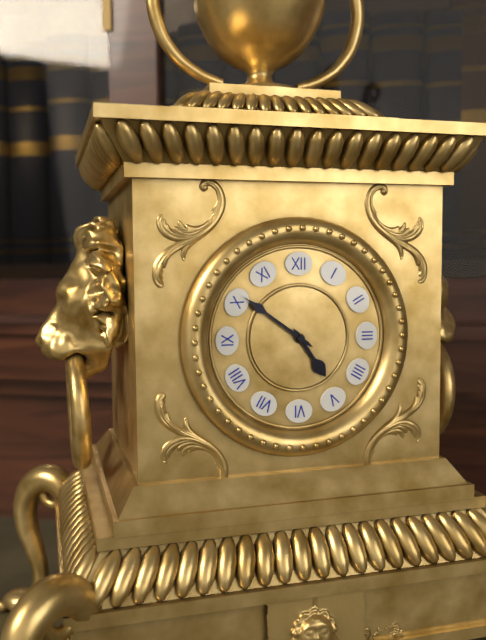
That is 4h51
